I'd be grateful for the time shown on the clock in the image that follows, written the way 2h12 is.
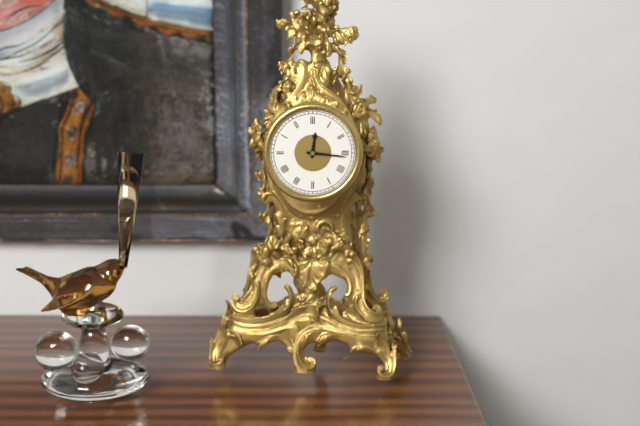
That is 12h16
